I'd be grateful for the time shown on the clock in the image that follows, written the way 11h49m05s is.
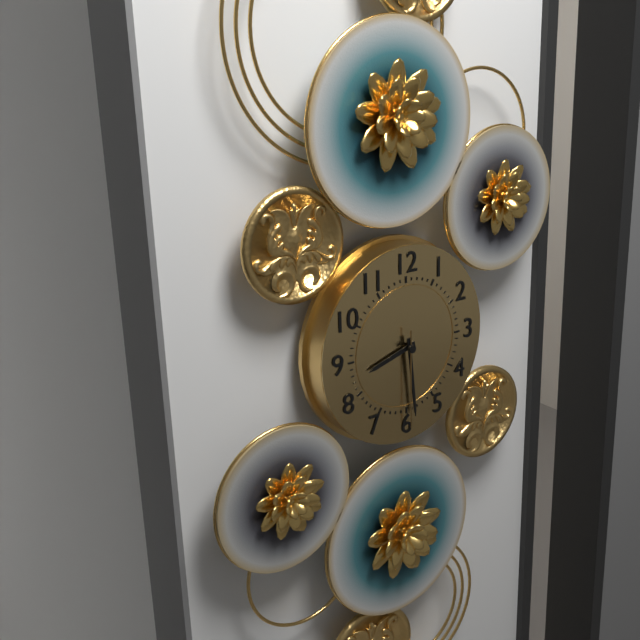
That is 8h29m30s
